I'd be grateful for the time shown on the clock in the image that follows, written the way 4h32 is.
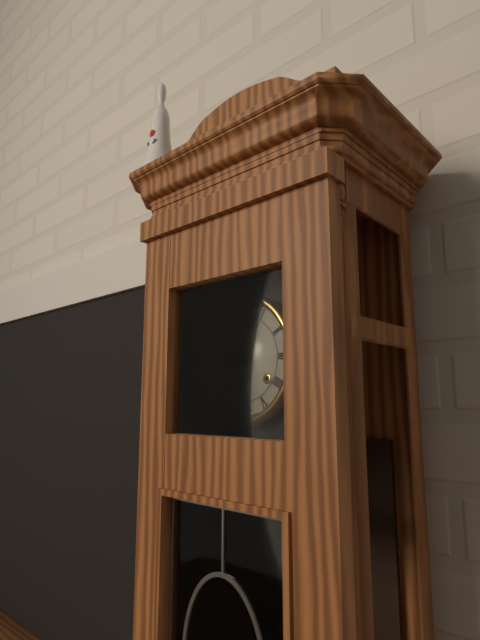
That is 7h48
